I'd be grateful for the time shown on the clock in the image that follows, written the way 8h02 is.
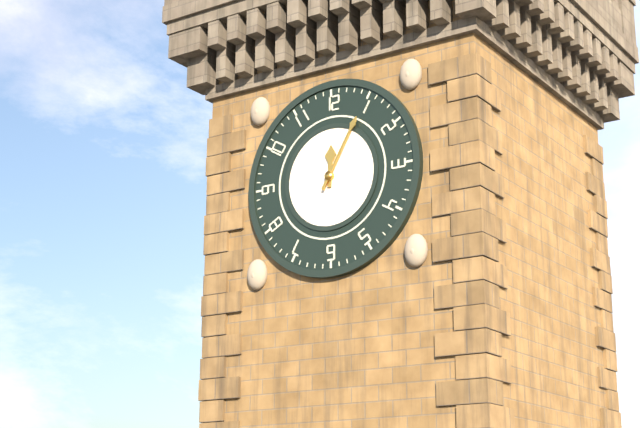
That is 12h05
